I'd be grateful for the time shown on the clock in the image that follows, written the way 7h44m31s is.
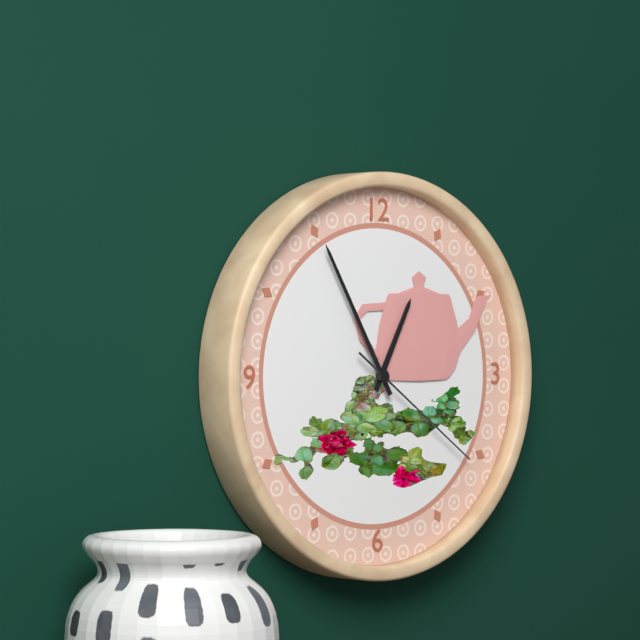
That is 12h55m21s
